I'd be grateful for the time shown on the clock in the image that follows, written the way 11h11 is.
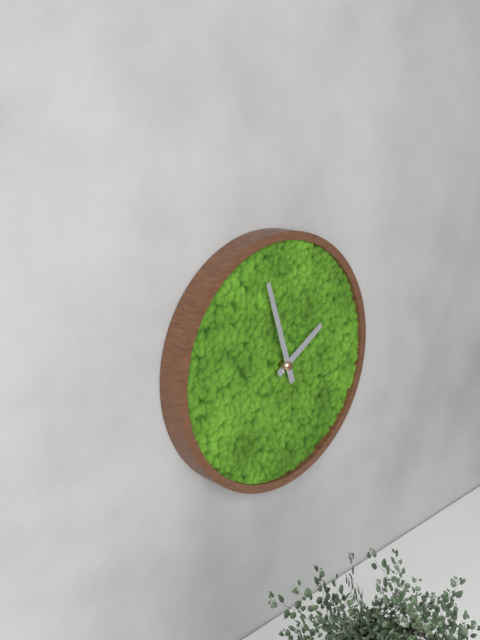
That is 1h57
